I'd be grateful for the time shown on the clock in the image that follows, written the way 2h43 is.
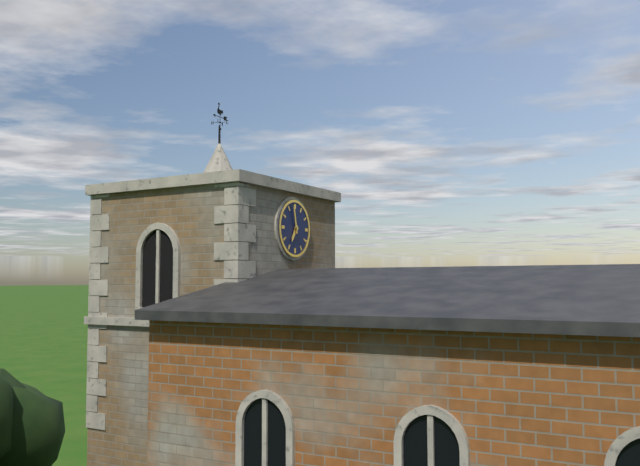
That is 6h58
